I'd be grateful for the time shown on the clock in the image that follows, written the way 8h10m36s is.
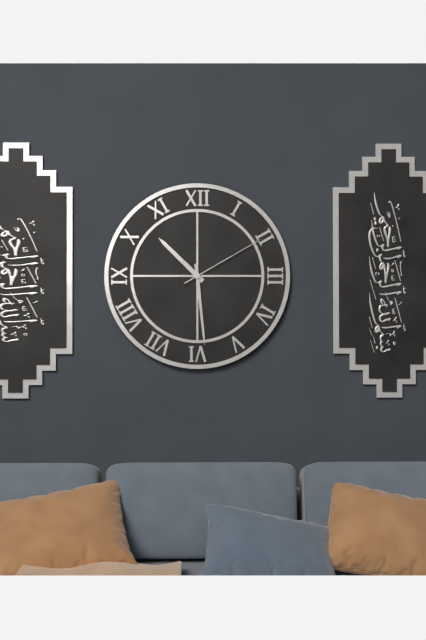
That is 10h29m10s
